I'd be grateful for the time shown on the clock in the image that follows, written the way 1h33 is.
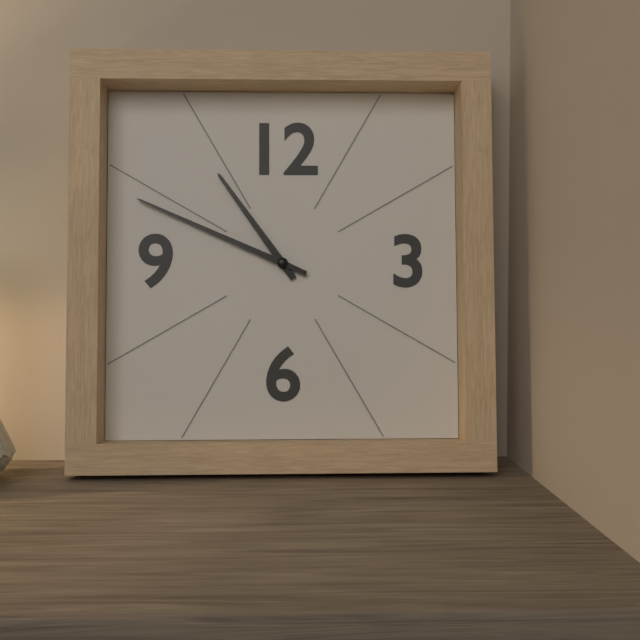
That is 10h49
